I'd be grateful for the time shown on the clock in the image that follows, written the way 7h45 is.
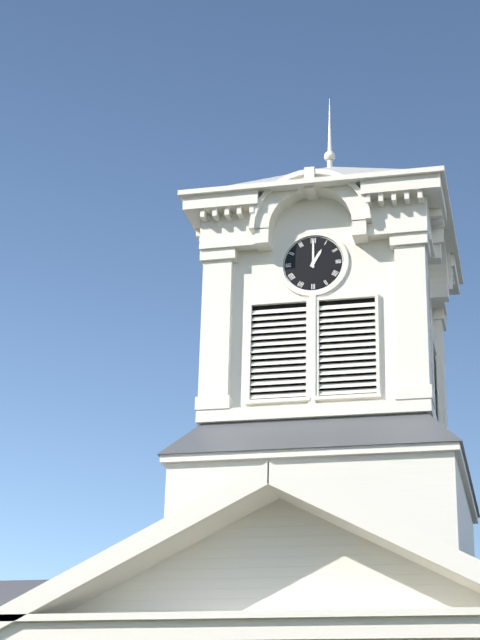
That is 1h00
